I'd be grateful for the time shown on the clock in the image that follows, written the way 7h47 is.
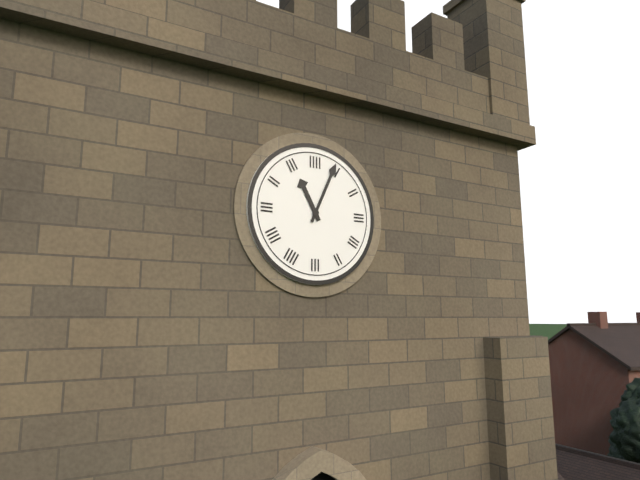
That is 11h04
